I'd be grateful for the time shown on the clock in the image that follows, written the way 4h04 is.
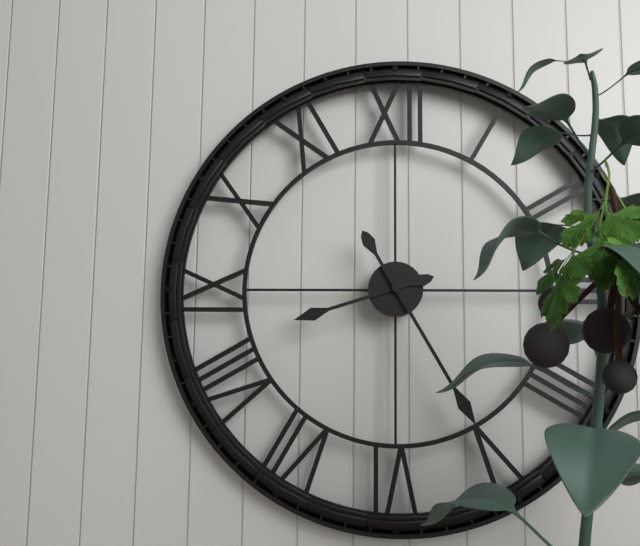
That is 8h25
